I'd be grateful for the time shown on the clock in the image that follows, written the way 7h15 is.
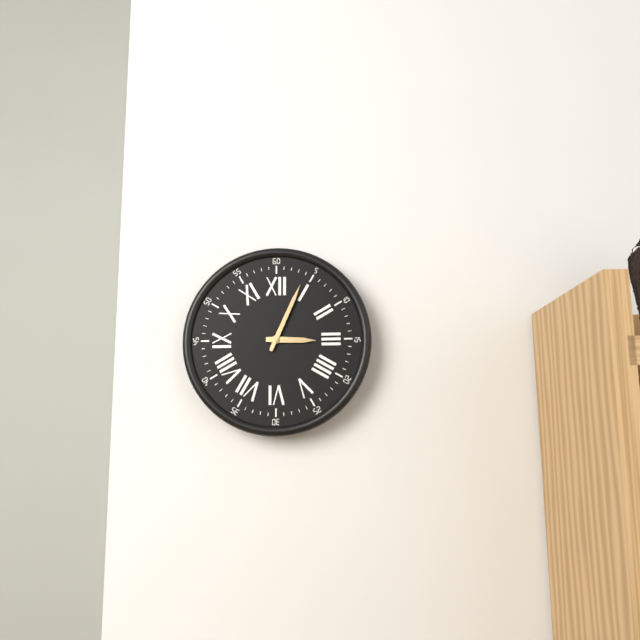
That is 3h04
